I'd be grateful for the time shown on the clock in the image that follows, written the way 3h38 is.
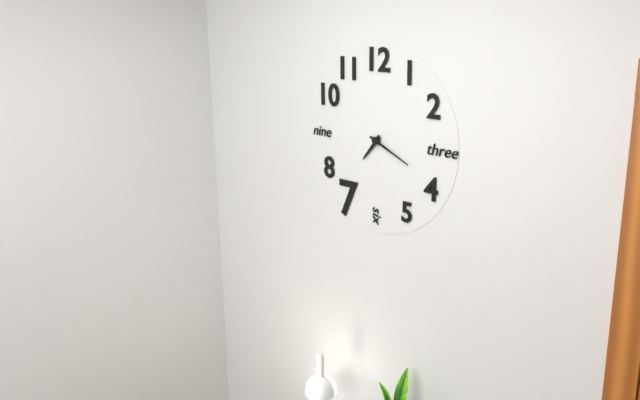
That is 7h19
